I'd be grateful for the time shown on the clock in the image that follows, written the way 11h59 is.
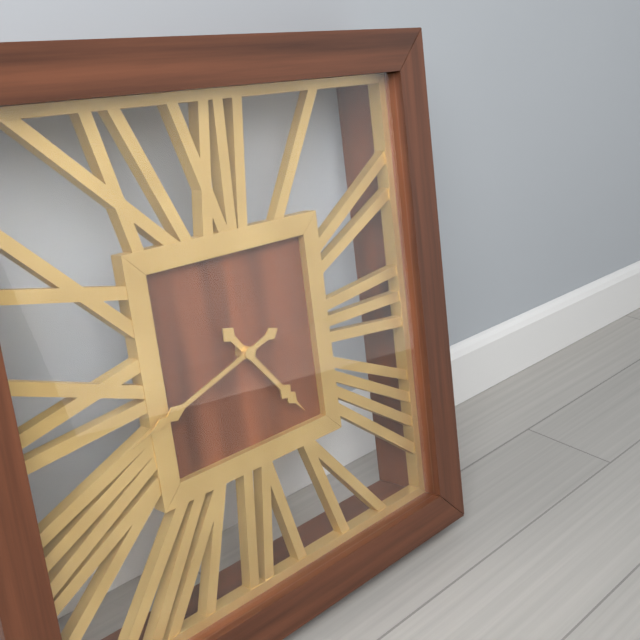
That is 4h42
